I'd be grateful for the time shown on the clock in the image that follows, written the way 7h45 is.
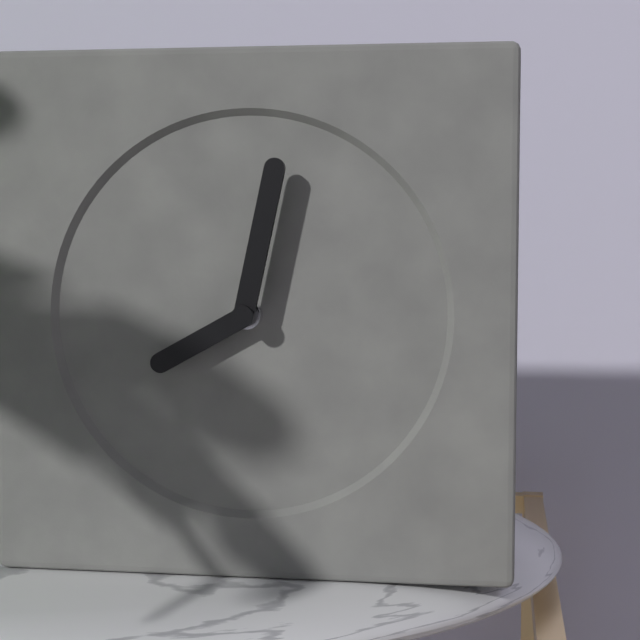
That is 8h02
